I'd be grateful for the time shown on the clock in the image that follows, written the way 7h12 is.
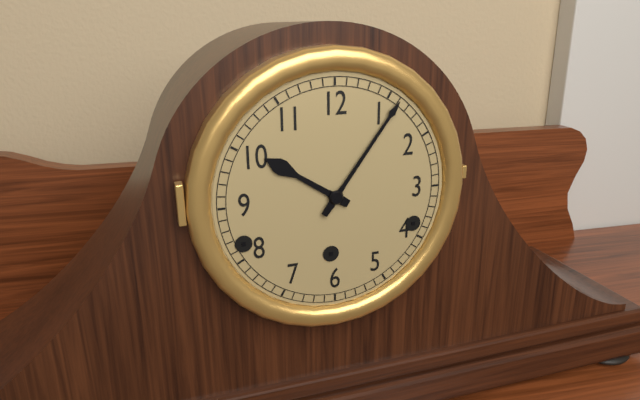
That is 10h06
